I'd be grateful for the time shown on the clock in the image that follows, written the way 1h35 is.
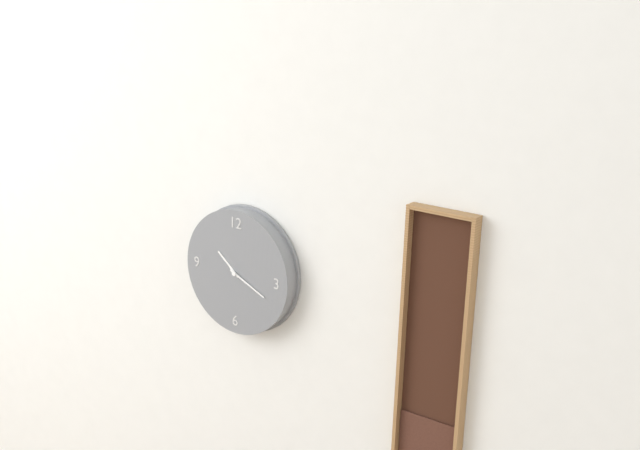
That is 10h19
